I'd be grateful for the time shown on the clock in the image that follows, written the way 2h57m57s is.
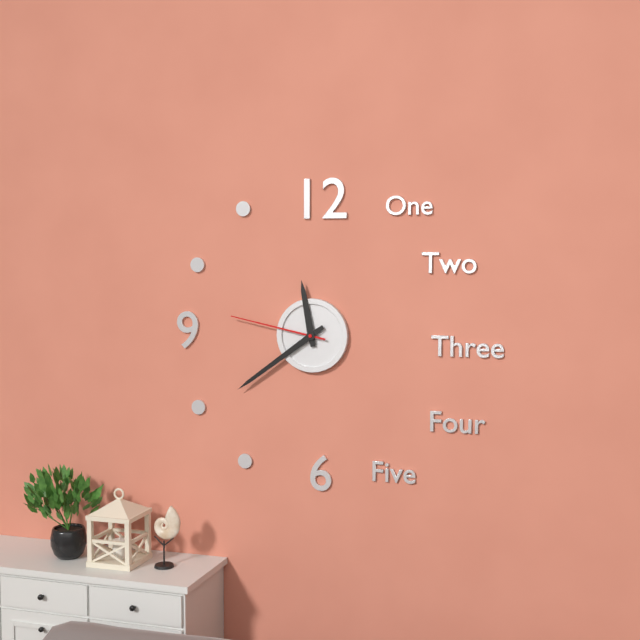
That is 11h39m47s
